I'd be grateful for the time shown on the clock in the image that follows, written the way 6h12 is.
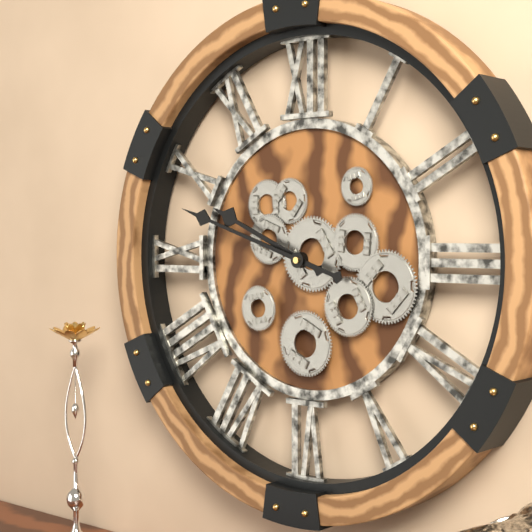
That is 9h48
